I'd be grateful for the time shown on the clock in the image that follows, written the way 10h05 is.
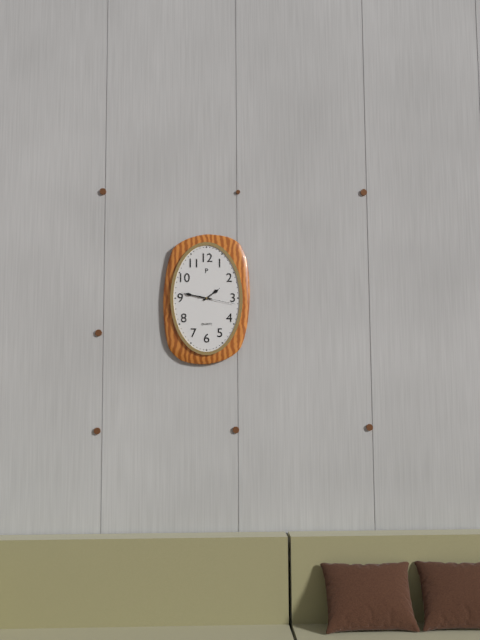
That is 1h47
